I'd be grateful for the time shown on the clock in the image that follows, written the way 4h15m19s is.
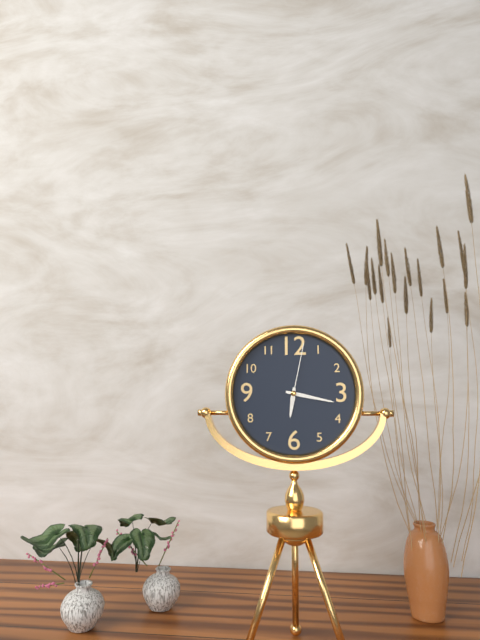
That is 6h17m02s
